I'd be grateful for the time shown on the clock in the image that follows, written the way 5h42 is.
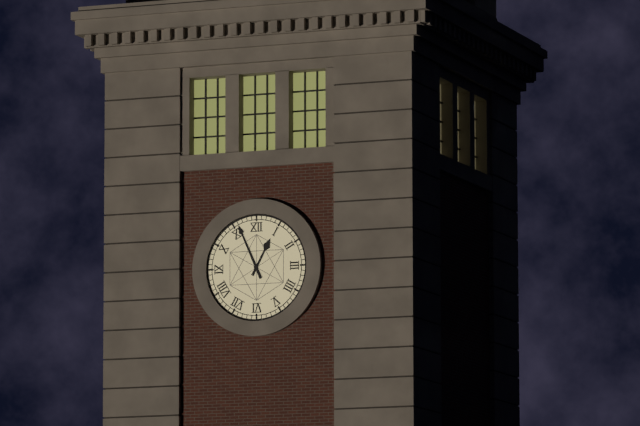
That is 12h56
